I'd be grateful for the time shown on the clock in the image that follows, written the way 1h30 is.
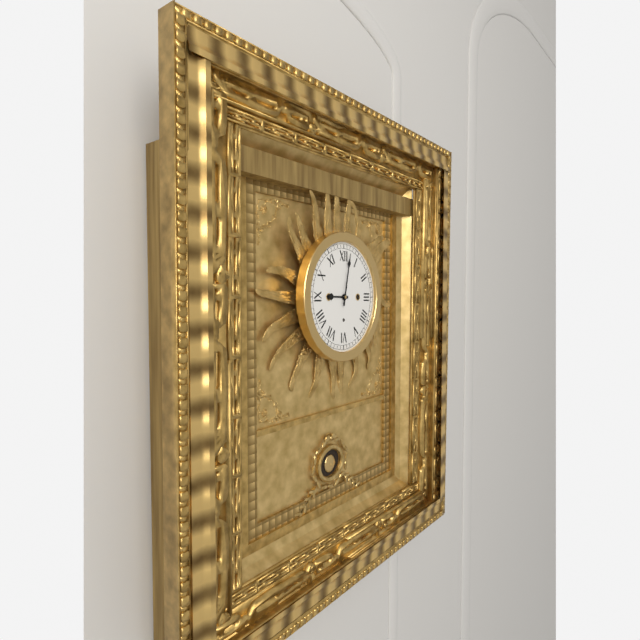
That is 9h02
